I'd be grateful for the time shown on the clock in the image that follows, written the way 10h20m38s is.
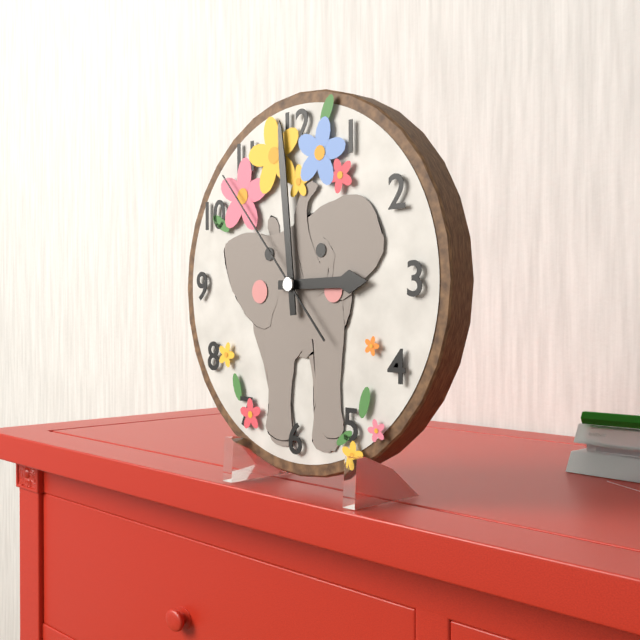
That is 2h59m53s
